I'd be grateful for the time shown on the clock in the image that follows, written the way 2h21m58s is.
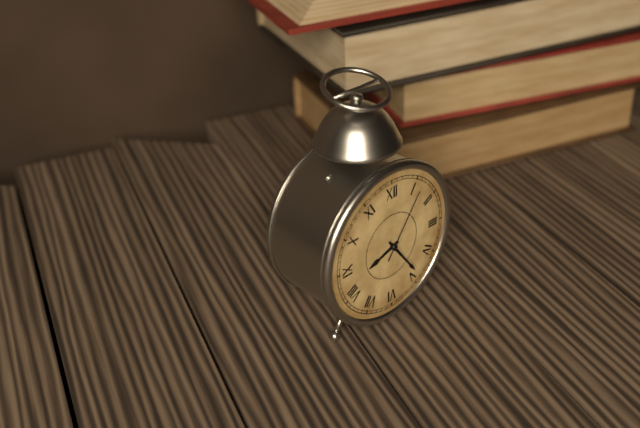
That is 8h24m06s
